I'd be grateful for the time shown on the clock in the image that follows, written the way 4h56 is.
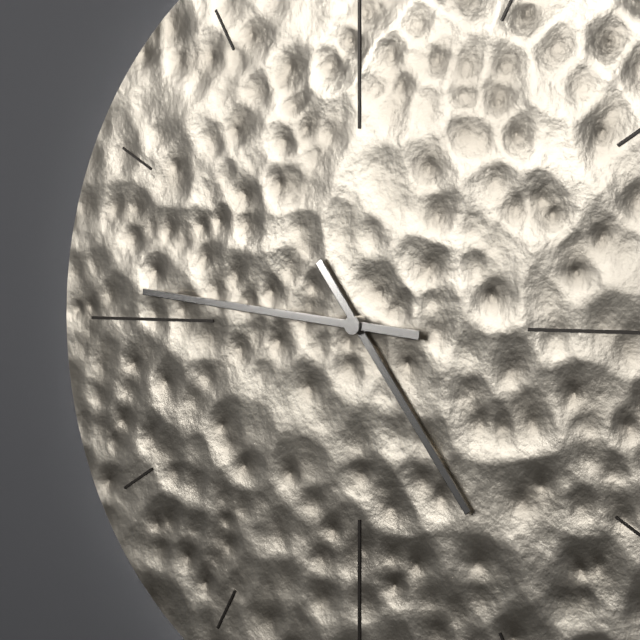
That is 4h46
